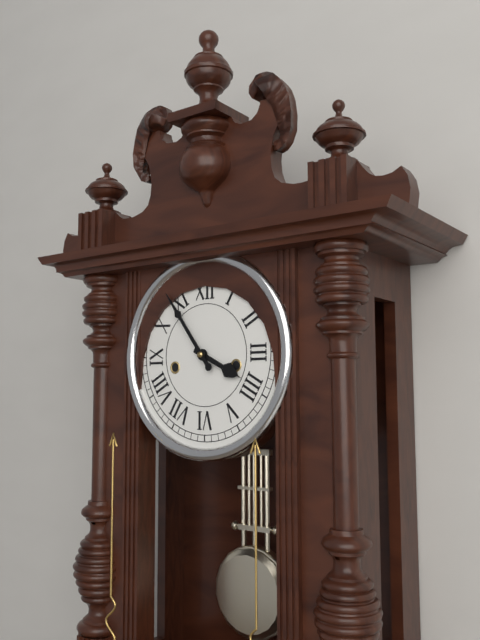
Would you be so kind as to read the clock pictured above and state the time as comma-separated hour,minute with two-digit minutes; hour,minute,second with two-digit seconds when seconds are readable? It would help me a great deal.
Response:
3,54
